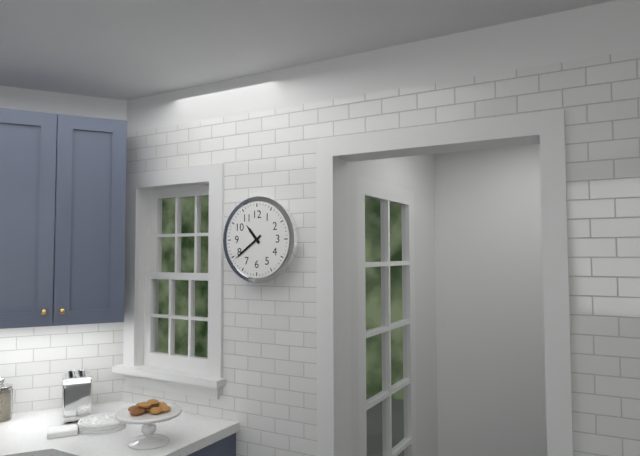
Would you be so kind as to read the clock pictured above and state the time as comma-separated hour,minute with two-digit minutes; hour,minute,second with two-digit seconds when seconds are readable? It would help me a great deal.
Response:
10,39
